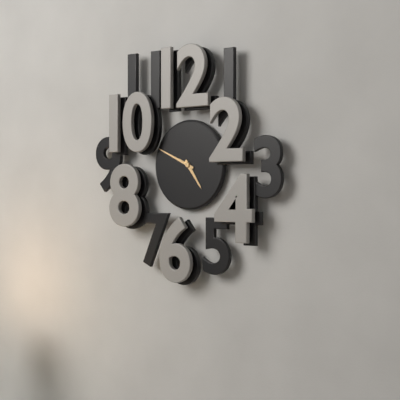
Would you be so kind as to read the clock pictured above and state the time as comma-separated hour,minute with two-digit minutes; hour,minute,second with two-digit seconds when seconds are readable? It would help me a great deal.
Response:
4,49
